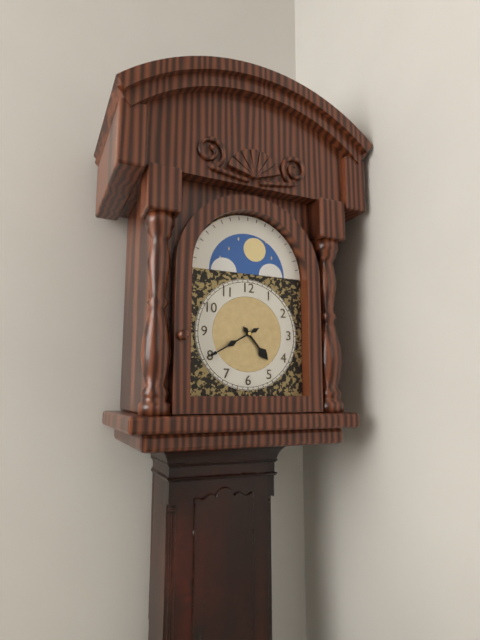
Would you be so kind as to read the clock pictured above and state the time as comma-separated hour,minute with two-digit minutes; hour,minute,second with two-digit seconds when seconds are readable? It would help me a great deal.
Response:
4,40
